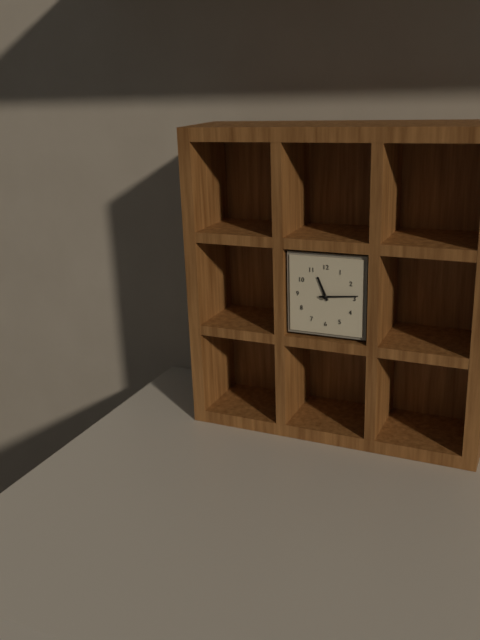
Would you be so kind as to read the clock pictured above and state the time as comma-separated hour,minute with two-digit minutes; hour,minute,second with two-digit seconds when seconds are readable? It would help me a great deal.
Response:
11,14
